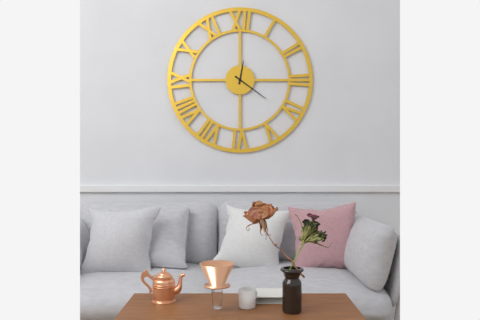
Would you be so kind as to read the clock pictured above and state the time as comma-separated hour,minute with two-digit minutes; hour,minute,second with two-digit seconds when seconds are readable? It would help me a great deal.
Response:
12,21
